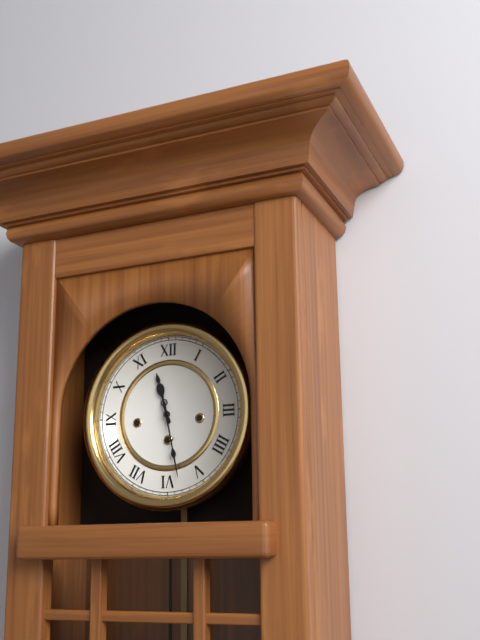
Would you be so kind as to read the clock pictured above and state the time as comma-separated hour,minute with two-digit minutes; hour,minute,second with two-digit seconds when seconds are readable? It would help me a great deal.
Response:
11,28
